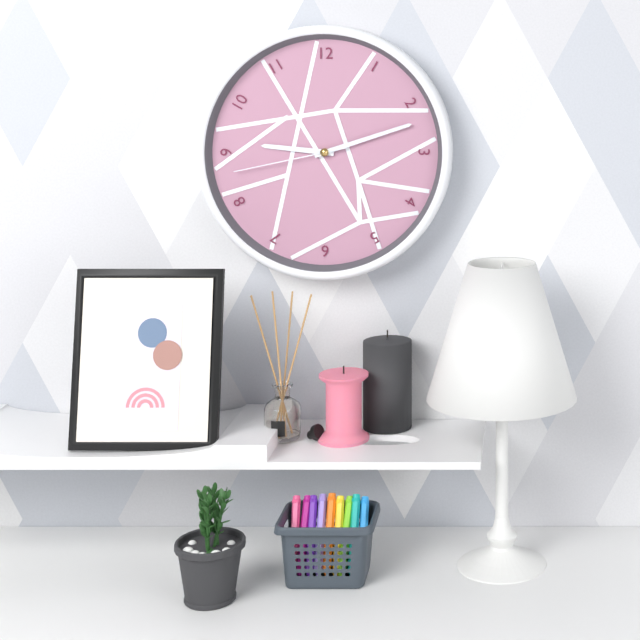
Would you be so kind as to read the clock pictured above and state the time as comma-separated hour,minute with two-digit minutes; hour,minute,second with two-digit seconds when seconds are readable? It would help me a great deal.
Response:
9,12,43
